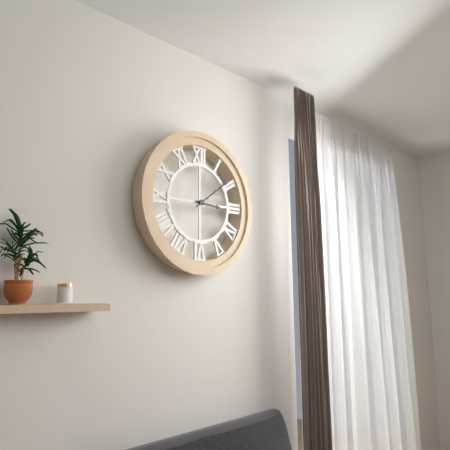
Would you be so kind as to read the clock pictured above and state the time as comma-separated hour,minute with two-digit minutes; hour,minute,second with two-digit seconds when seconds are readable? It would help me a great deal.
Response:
3,09
